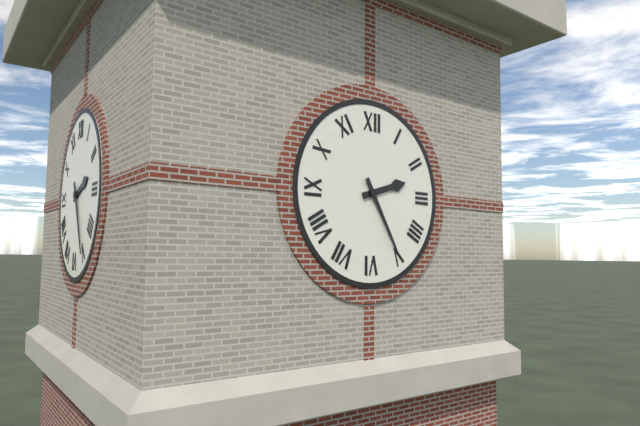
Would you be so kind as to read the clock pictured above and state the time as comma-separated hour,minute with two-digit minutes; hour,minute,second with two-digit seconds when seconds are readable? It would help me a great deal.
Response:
2,25
